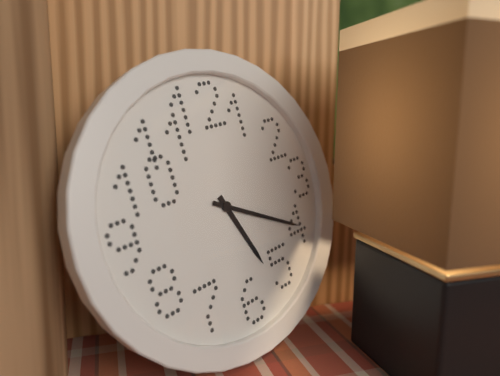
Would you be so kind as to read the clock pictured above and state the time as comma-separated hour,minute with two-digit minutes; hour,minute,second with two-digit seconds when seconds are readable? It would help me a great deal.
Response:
5,20
